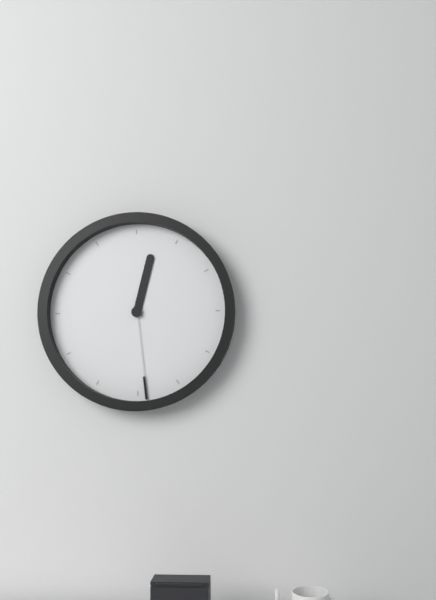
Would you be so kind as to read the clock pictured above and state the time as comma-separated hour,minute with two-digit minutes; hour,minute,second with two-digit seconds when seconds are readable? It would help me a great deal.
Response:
12,29
